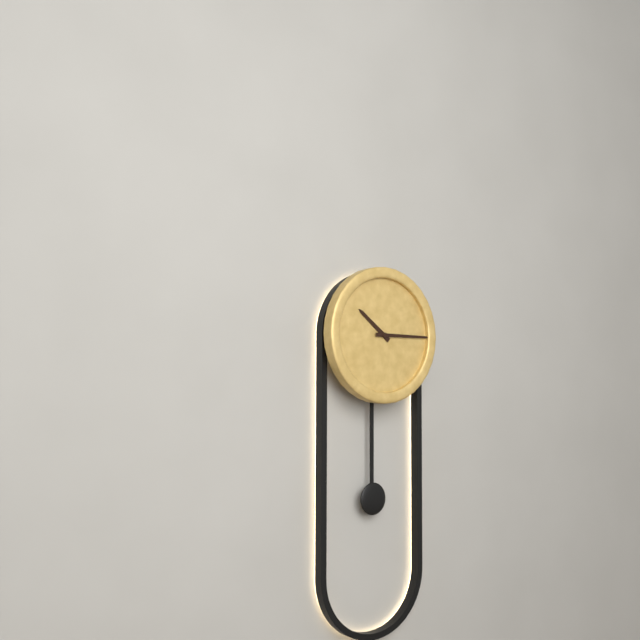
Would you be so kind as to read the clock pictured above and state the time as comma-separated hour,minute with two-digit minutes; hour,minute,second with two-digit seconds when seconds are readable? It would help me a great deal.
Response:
10,15
